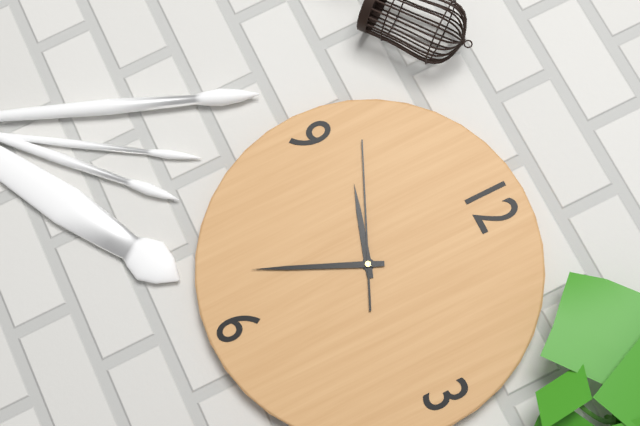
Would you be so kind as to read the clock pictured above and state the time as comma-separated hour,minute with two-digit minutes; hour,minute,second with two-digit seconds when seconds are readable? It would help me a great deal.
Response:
9,34,49
